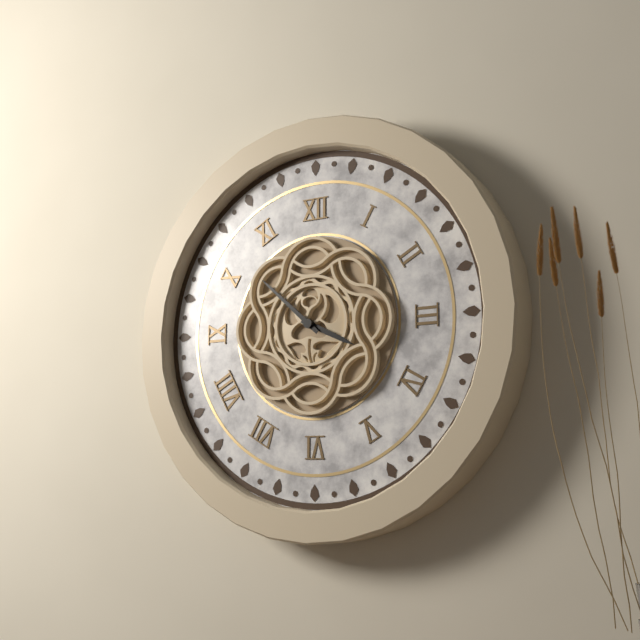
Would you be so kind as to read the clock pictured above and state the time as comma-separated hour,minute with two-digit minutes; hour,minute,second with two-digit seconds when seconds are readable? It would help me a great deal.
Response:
3,52
